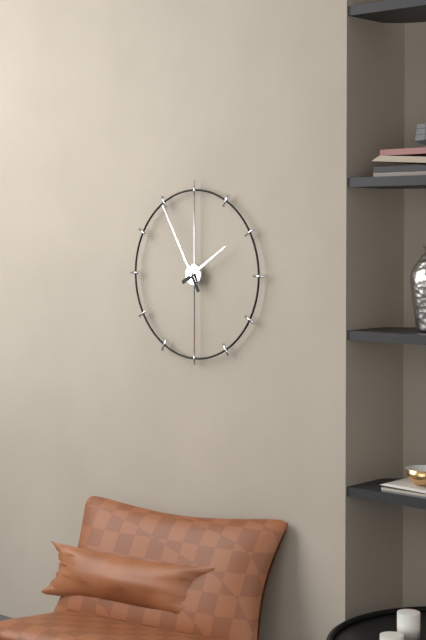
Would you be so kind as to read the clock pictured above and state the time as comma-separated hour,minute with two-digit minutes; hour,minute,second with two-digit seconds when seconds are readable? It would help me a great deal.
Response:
1,55
